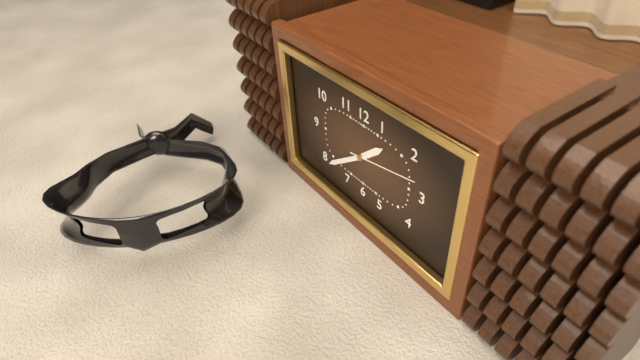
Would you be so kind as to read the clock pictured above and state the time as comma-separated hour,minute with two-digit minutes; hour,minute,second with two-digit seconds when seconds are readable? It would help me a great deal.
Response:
1,39,13
